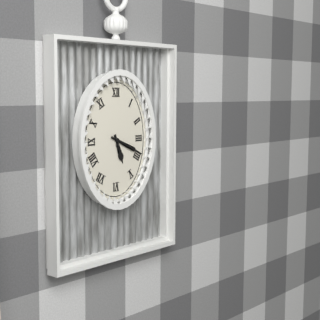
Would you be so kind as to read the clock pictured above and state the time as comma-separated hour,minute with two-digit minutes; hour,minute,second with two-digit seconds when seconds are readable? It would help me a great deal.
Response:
5,19
